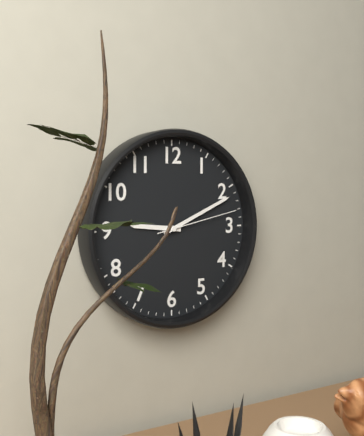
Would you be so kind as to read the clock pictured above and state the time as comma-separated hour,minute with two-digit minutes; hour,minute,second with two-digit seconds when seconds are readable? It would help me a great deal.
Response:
9,11,13
